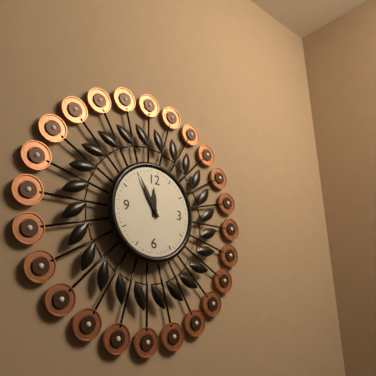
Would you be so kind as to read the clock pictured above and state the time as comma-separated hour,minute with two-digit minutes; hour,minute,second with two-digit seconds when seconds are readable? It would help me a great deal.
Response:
11,55
